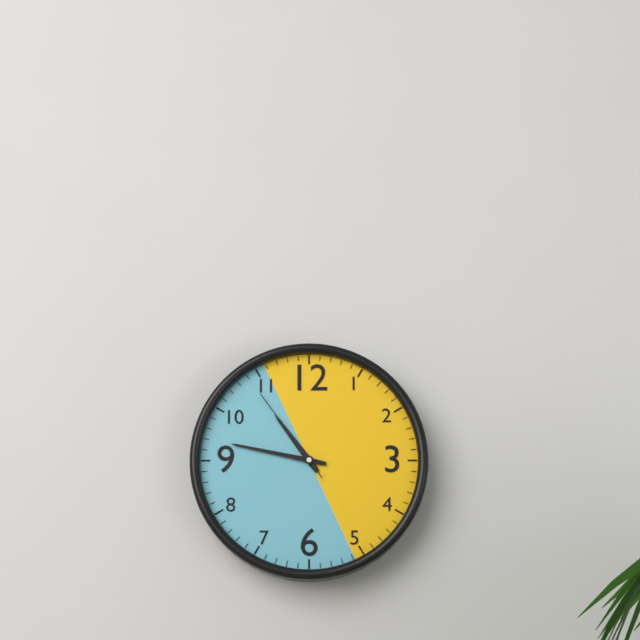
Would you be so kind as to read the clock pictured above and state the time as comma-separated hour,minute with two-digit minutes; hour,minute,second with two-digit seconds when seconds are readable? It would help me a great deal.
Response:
10,47,54
